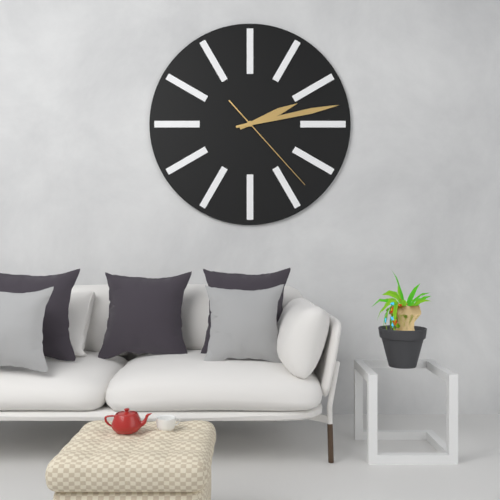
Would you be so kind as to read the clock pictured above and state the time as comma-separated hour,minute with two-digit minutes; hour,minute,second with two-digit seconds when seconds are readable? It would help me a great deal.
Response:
2,13,23
